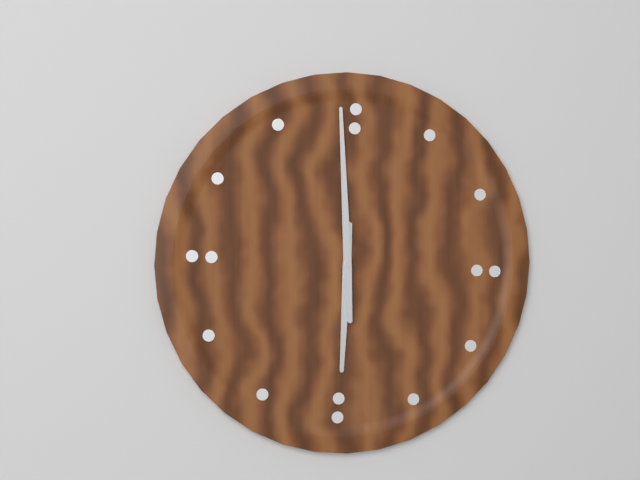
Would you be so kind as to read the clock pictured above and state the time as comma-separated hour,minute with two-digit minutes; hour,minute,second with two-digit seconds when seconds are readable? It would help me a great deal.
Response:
5,59
